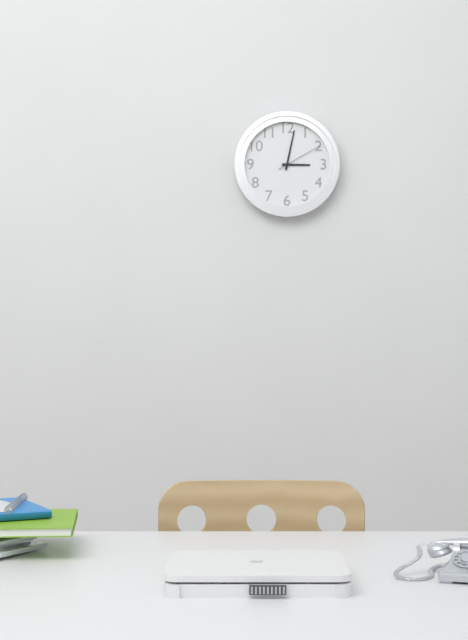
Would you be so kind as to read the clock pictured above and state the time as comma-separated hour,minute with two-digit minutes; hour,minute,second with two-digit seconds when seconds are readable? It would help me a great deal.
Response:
3,02
